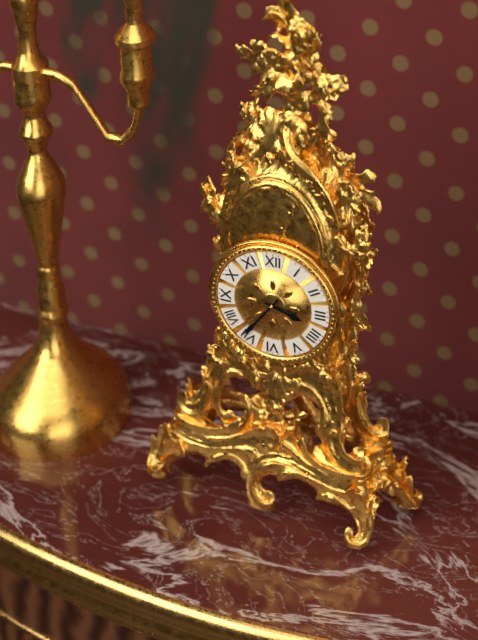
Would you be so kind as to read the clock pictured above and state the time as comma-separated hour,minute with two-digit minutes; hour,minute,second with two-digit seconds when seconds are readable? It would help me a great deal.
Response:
3,36
